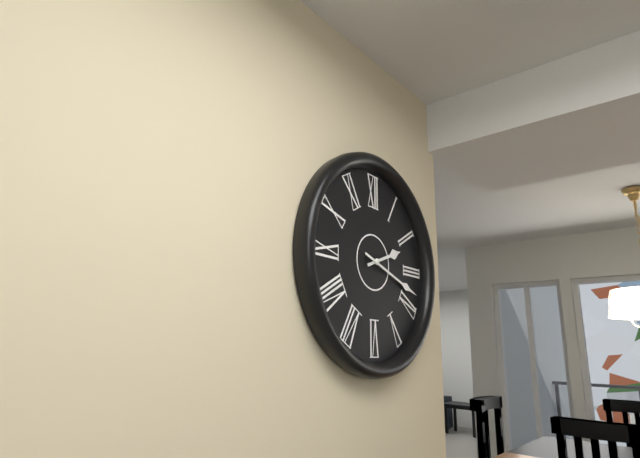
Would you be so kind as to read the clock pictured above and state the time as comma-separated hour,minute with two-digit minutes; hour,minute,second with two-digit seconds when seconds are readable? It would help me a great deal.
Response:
2,18
